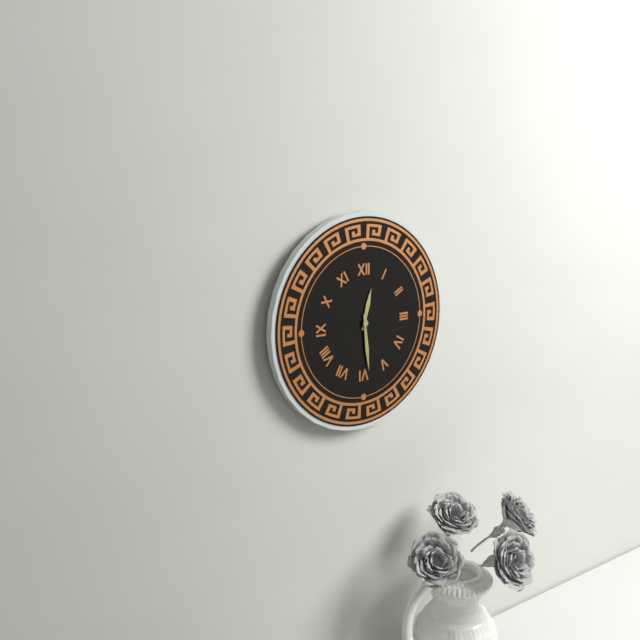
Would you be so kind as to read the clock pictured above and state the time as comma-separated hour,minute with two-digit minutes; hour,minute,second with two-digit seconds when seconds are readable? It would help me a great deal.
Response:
12,29
